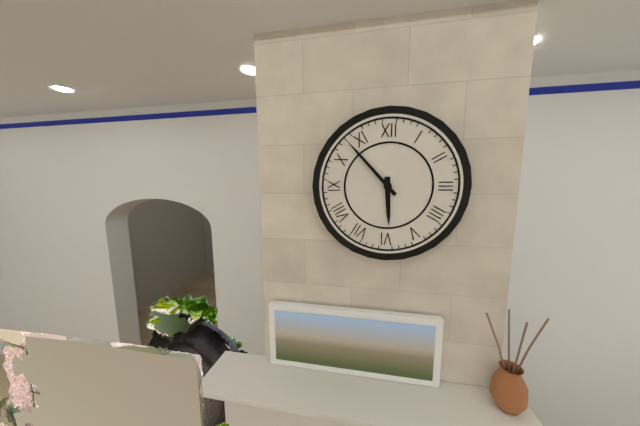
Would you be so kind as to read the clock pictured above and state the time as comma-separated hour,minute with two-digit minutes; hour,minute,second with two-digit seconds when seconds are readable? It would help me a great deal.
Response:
5,53
